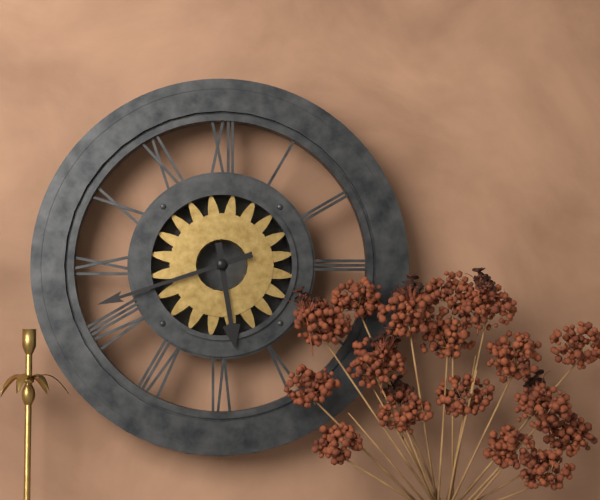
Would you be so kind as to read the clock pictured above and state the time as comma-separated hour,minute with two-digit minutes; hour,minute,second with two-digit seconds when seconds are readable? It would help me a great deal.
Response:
5,42
